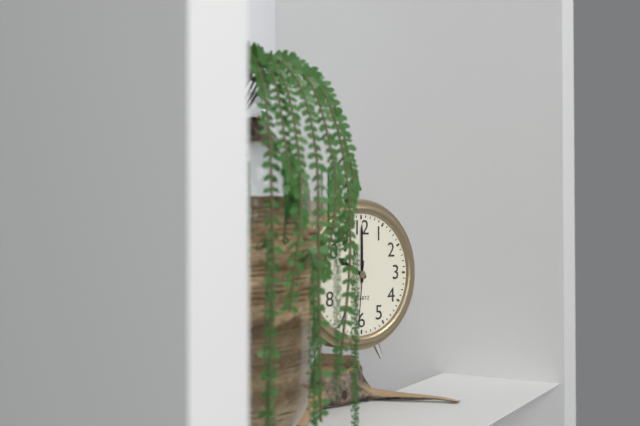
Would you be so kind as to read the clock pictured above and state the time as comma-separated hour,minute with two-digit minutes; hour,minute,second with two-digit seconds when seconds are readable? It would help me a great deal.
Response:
10,00,31
